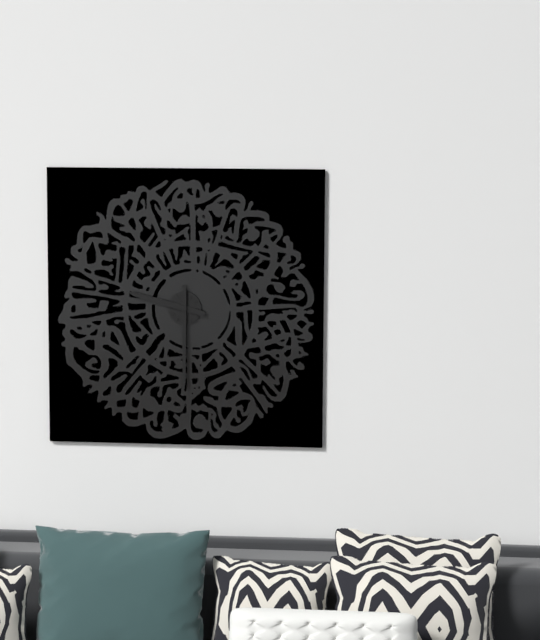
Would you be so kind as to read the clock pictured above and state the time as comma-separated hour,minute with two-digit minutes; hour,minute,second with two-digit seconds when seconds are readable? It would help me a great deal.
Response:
9,30
